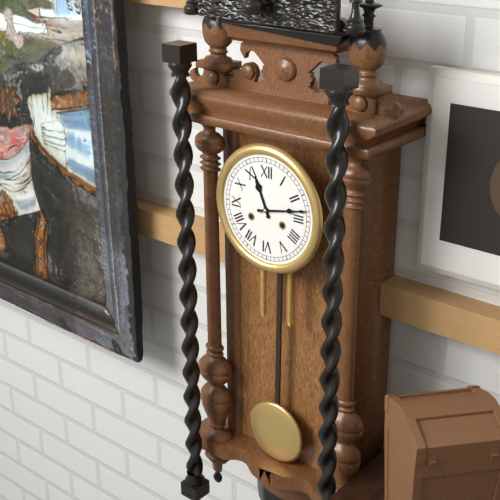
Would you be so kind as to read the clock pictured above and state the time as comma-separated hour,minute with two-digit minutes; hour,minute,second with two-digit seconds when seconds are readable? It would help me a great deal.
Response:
11,13
